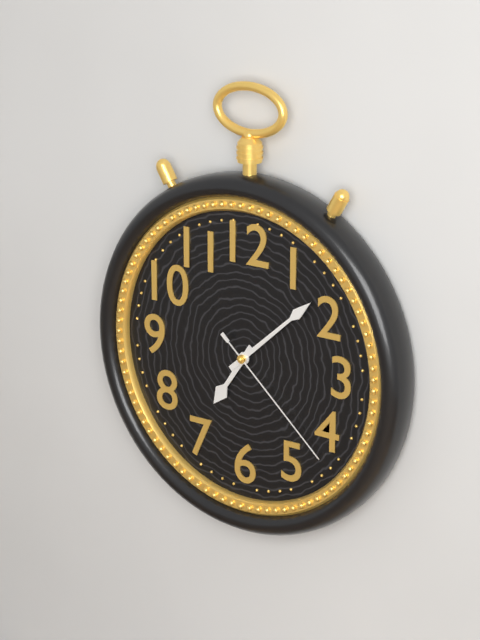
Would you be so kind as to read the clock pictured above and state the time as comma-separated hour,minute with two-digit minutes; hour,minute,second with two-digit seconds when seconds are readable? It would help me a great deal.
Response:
7,08,22
